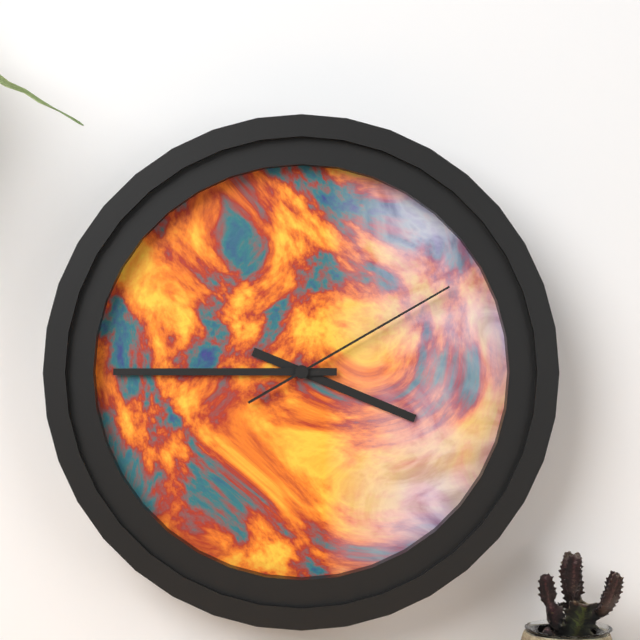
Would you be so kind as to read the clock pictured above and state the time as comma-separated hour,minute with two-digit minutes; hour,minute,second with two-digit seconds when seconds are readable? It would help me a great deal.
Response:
3,45,10
